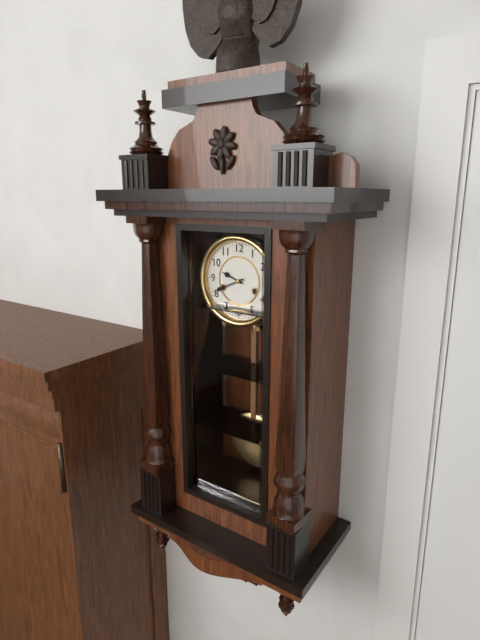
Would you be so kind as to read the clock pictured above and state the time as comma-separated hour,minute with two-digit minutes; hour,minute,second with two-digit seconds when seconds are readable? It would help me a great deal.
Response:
9,41
